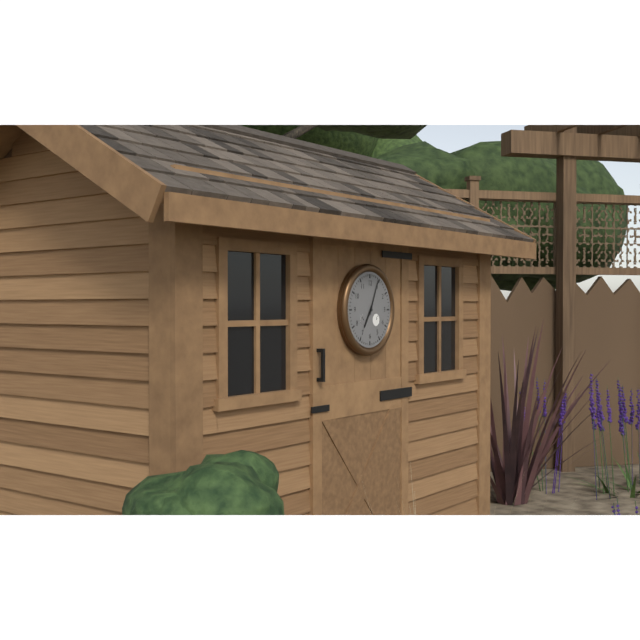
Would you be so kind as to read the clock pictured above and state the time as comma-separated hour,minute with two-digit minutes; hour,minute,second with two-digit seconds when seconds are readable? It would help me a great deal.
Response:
7,04
